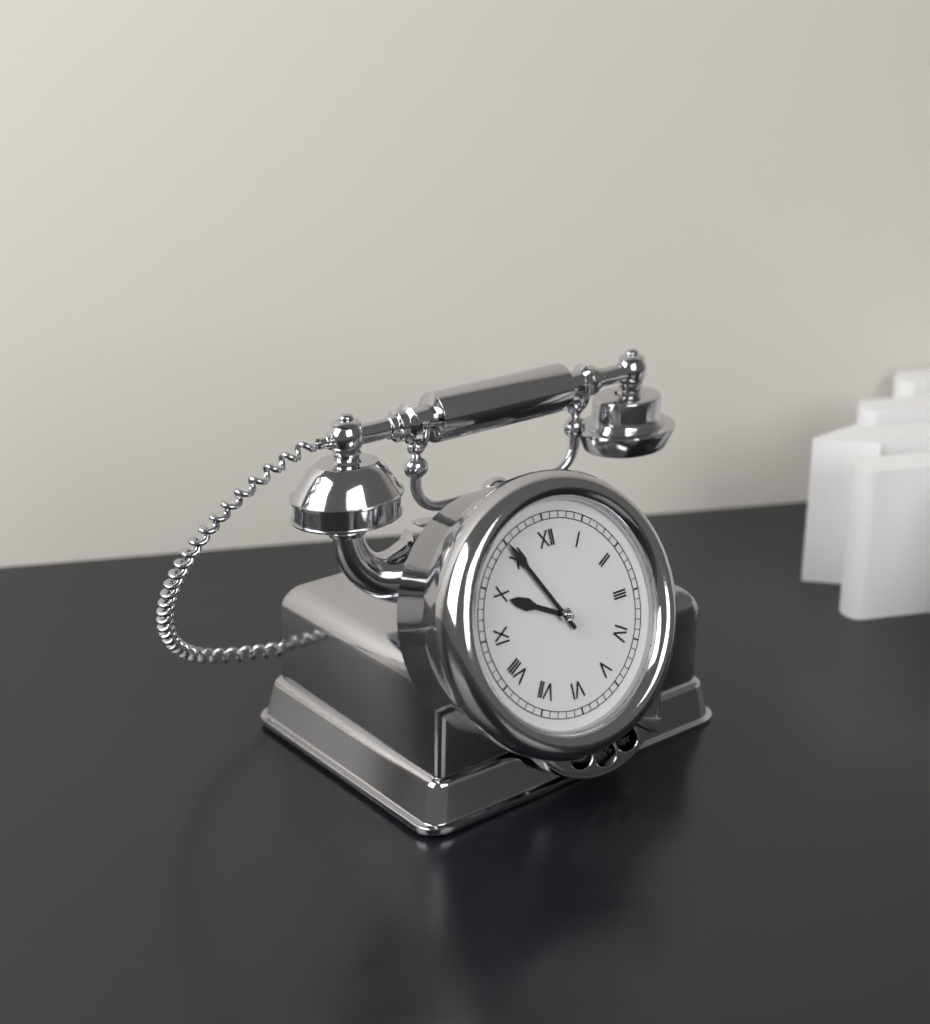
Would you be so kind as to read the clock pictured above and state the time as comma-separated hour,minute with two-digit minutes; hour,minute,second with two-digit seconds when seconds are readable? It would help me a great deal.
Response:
9,55
